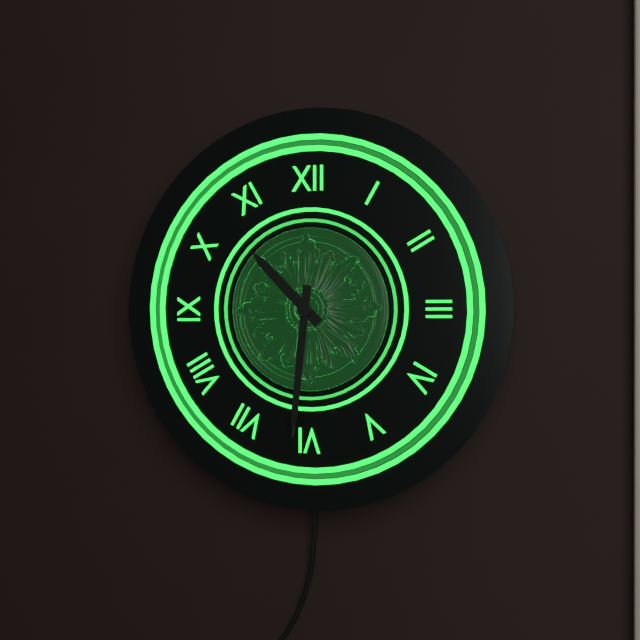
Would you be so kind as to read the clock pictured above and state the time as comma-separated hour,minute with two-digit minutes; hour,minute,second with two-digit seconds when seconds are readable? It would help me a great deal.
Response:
10,31
